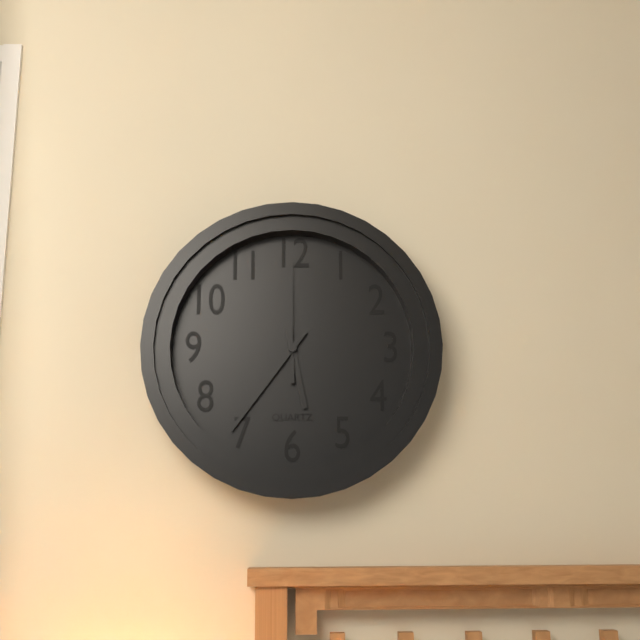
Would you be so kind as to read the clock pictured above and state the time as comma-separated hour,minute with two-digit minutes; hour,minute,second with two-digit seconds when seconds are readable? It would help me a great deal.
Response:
5,36,00
